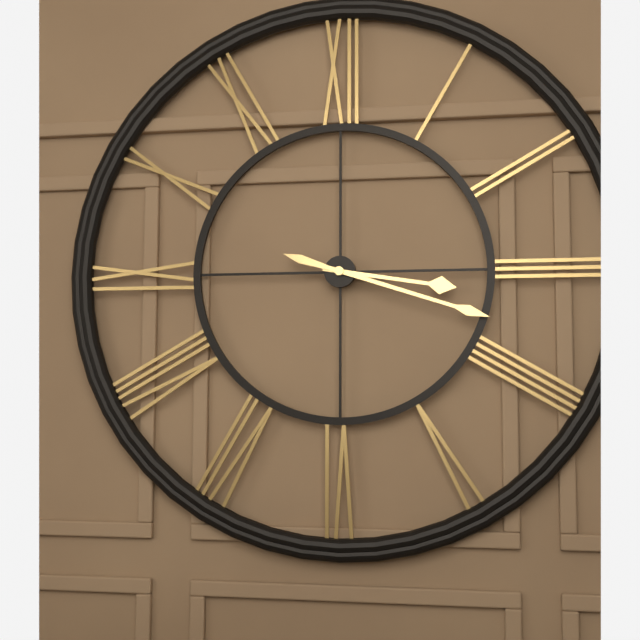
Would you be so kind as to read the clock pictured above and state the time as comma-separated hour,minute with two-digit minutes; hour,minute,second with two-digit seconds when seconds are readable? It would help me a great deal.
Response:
3,18
